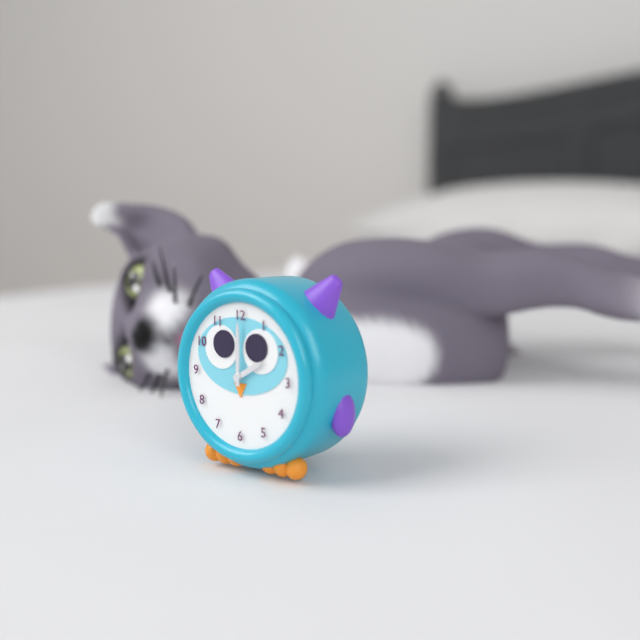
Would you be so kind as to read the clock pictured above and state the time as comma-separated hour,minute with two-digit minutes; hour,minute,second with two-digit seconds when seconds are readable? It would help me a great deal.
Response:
2,00
